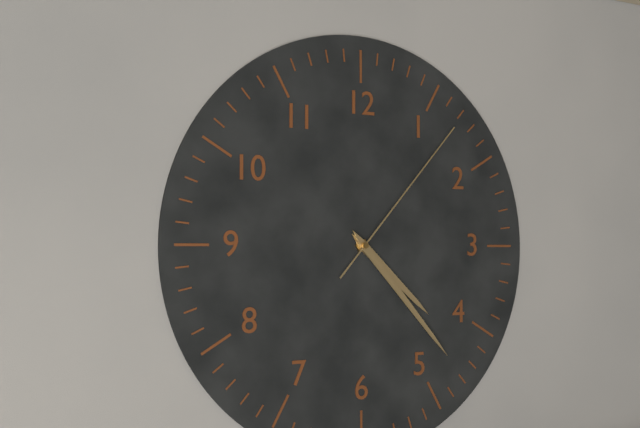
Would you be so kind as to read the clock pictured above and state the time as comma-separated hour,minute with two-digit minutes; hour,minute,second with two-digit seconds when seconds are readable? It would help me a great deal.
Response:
4,23,07
